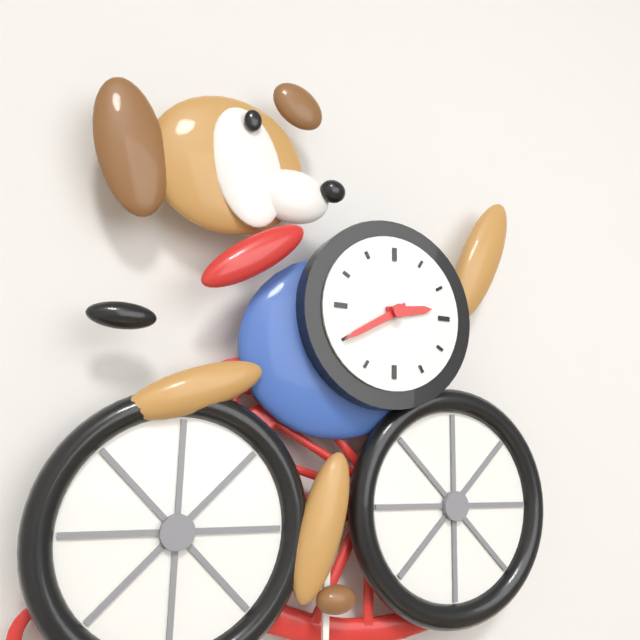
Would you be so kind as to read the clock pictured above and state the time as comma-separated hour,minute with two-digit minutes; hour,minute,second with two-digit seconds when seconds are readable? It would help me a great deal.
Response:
2,40
